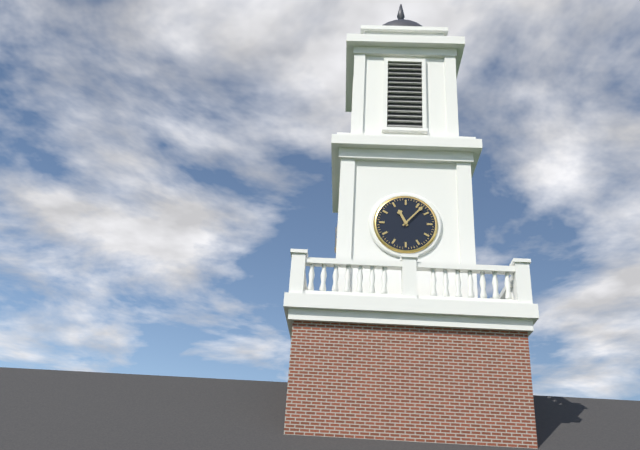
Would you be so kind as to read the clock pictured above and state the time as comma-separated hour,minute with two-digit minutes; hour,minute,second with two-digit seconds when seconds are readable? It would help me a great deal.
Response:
11,07
